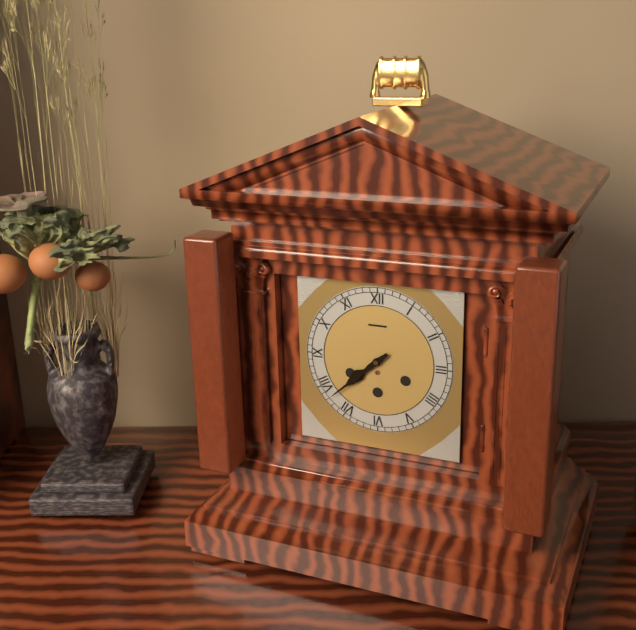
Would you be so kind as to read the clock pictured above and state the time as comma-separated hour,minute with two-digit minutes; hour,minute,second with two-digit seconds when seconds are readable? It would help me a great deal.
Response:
7,38
